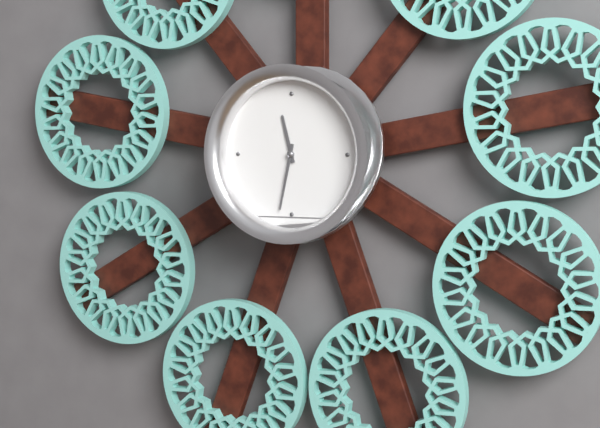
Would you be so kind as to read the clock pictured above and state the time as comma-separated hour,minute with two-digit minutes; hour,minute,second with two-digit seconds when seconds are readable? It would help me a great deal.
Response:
11,32
